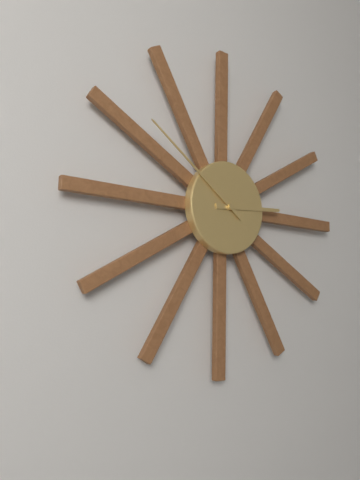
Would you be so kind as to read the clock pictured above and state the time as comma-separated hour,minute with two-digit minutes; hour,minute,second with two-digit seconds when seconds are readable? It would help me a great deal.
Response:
2,51
